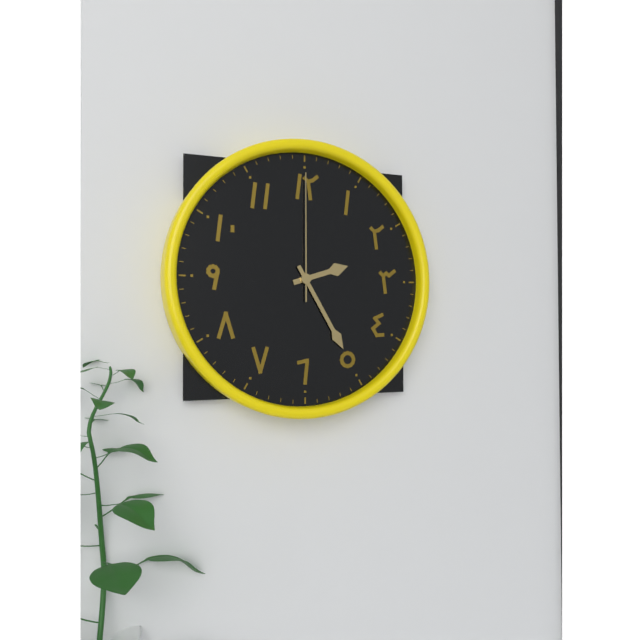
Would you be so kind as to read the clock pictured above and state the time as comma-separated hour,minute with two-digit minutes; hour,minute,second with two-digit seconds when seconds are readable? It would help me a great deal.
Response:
2,25,00
